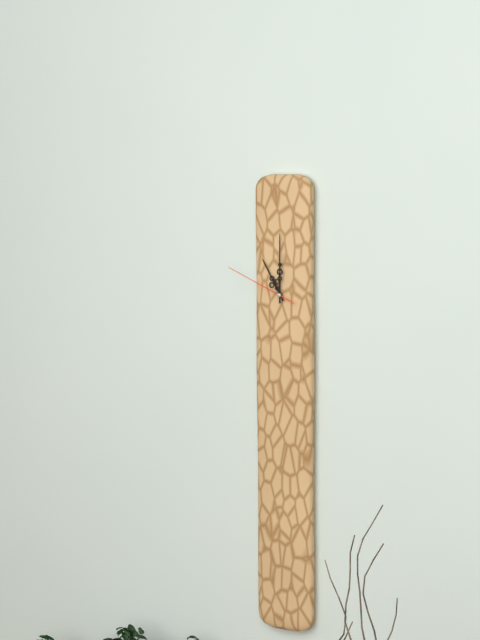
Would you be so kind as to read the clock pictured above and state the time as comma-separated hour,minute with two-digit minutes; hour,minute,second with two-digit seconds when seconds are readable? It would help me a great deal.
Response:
11,00,49
